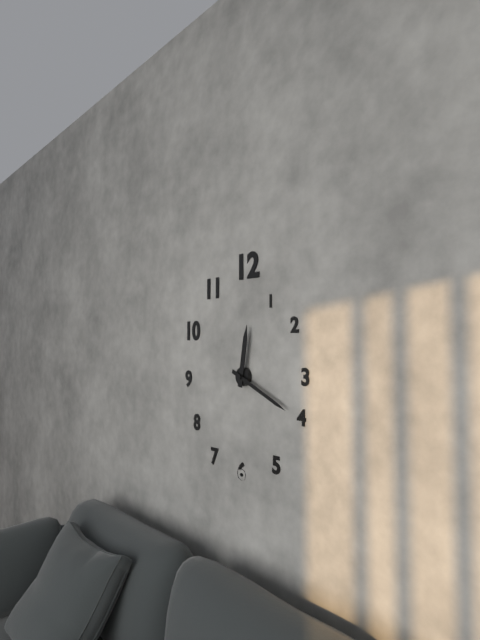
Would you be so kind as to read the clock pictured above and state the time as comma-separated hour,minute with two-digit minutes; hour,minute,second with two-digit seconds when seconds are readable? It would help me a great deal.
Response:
12,19
